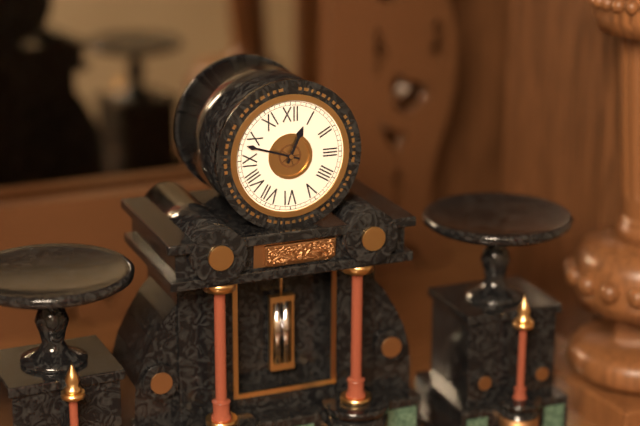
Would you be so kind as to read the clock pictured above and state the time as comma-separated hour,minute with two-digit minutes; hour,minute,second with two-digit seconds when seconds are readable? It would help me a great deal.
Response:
12,48
